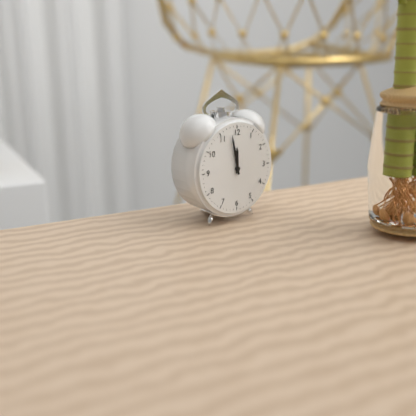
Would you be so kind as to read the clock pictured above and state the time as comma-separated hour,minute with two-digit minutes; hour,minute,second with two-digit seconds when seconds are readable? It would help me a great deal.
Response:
11,58
